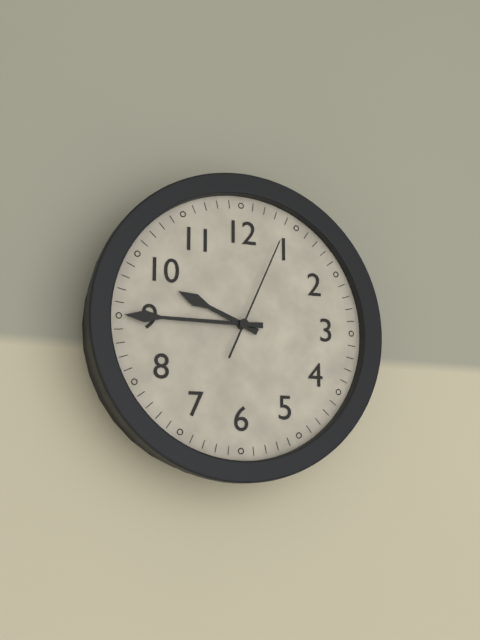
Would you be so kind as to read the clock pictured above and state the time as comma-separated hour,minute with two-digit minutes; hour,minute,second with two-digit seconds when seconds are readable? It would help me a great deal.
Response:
9,45,04
